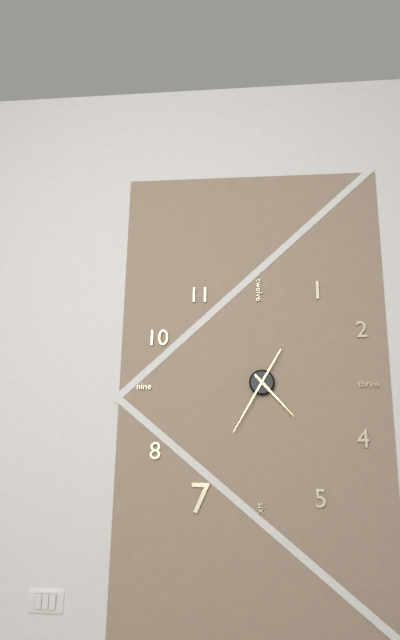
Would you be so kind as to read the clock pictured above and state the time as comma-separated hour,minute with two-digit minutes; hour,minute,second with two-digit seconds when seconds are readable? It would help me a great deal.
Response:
4,35
